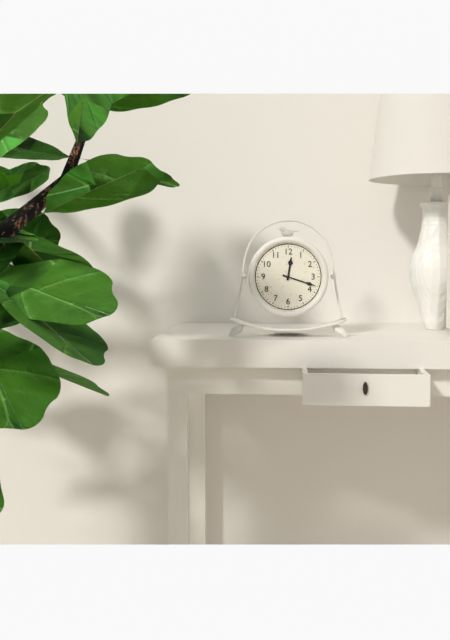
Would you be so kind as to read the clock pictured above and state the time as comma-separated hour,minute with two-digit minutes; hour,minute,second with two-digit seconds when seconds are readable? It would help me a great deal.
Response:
12,18
